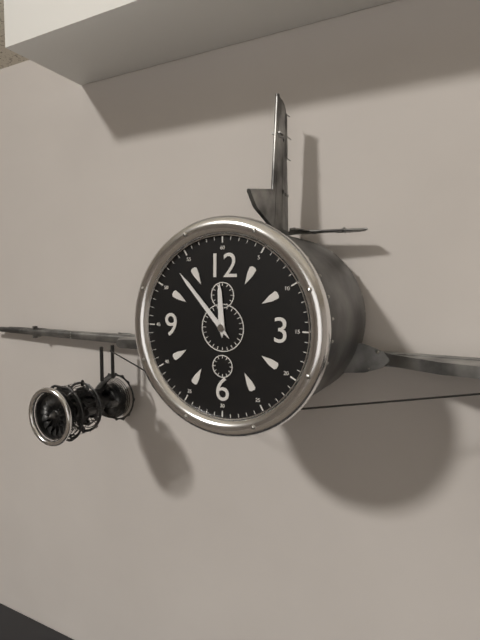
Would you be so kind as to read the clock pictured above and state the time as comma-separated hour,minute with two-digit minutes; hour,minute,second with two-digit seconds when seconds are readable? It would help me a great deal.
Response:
11,53
